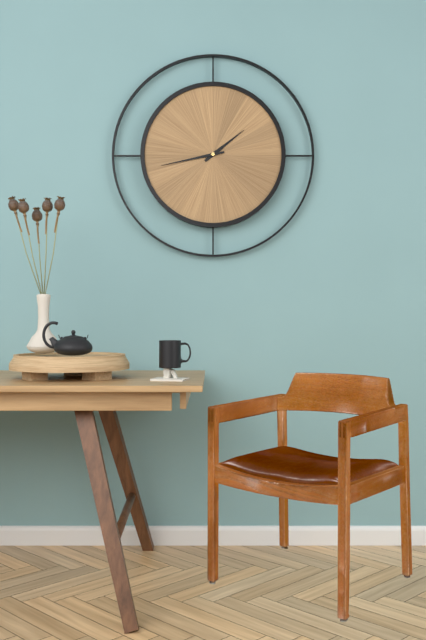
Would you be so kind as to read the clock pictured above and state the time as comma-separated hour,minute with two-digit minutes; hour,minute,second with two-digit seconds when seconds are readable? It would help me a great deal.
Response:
1,43
